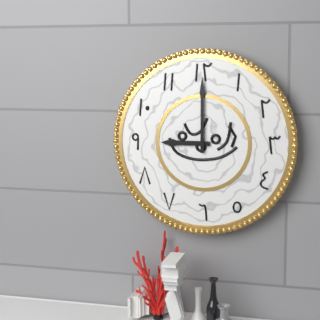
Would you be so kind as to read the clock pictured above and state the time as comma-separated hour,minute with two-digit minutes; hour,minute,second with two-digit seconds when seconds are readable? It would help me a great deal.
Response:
9,00
